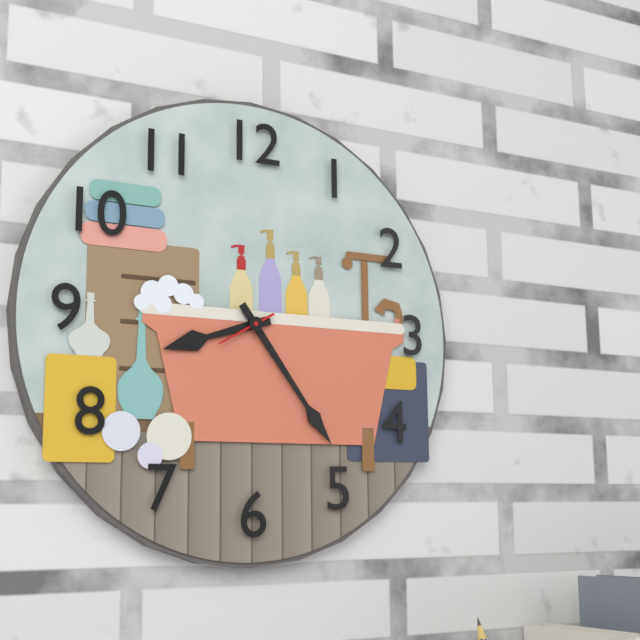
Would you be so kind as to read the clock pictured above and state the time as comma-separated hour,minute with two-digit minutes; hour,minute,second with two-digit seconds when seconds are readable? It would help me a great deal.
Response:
8,24,40
